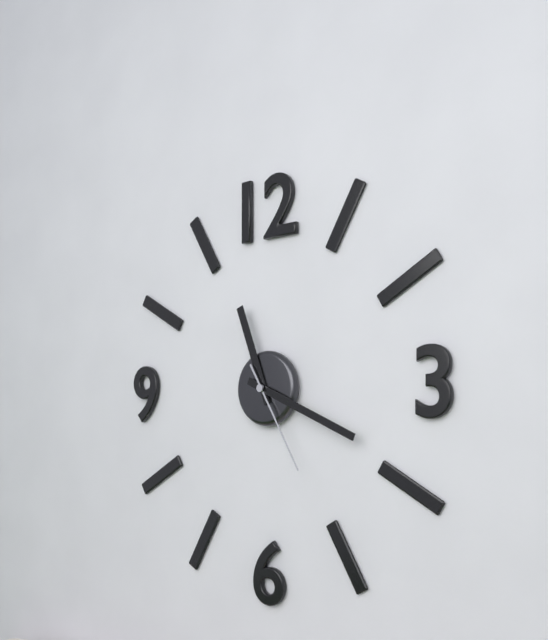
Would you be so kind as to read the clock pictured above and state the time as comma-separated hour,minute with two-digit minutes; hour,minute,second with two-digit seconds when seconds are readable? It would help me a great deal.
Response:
11,19,25
